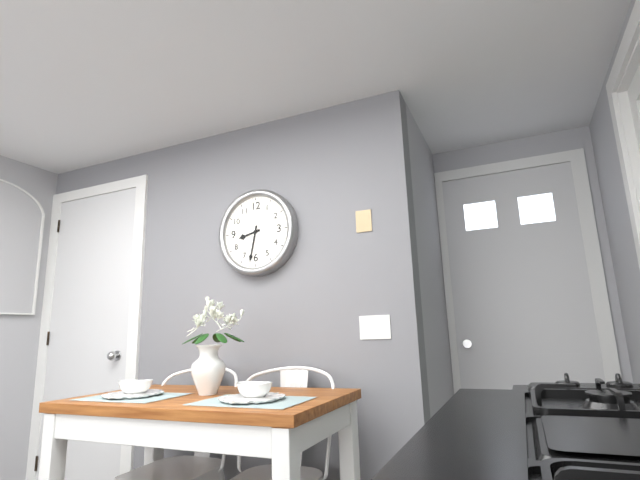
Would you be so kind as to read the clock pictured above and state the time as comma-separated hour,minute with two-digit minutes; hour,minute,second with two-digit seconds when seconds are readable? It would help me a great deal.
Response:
8,32
